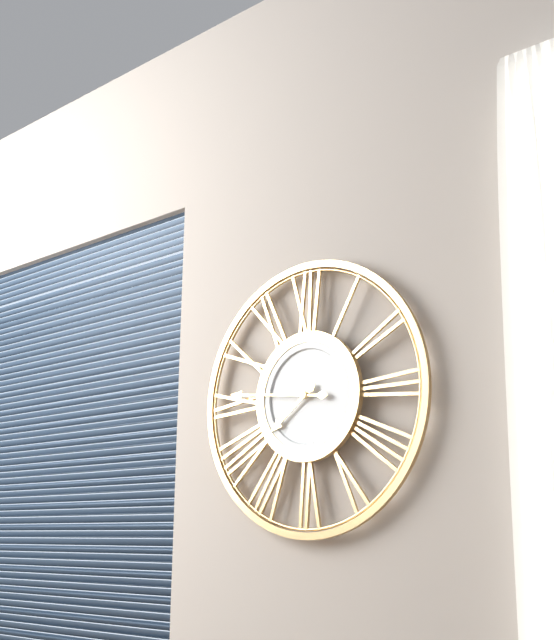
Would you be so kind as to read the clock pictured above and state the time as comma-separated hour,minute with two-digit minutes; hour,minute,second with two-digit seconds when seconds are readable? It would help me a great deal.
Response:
7,46
